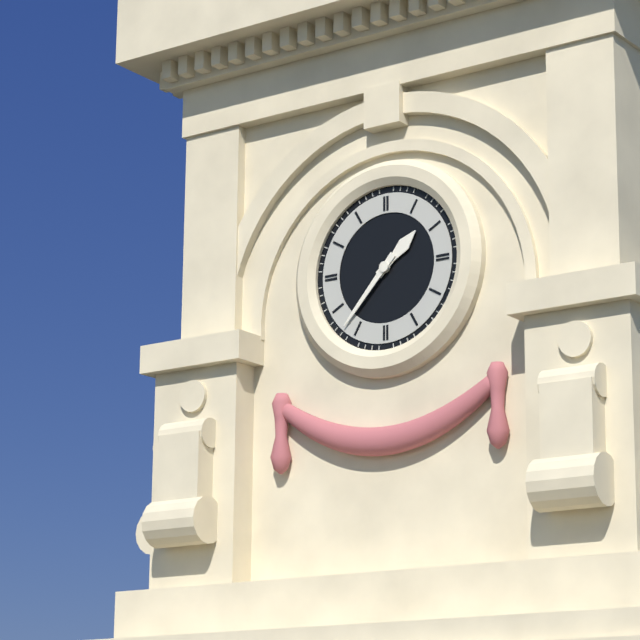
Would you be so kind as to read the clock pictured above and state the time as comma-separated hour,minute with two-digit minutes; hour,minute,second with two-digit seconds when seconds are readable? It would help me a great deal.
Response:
1,37
